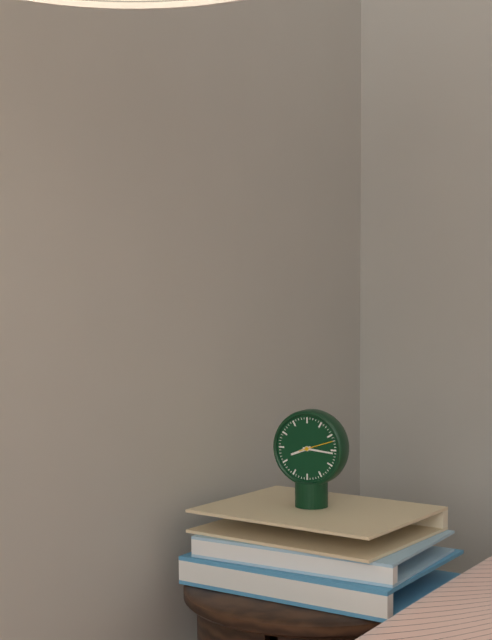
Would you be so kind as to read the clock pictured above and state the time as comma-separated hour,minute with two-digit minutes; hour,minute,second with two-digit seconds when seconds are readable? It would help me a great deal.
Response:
8,16
